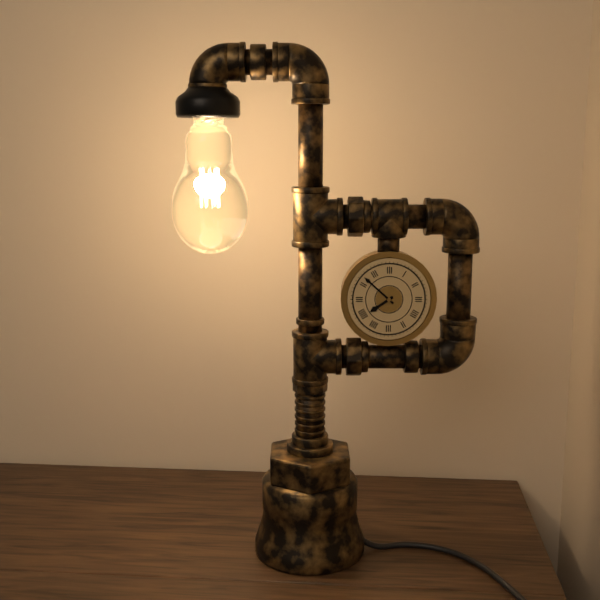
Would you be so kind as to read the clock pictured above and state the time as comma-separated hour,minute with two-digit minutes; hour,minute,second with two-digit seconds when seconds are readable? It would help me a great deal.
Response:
7,52
